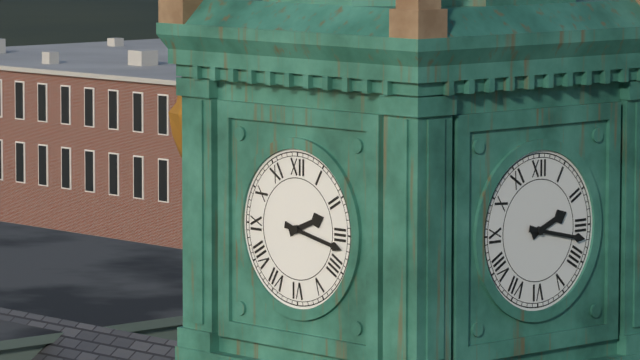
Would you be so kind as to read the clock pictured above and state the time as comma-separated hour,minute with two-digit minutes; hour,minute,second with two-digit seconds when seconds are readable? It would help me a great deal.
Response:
2,17
